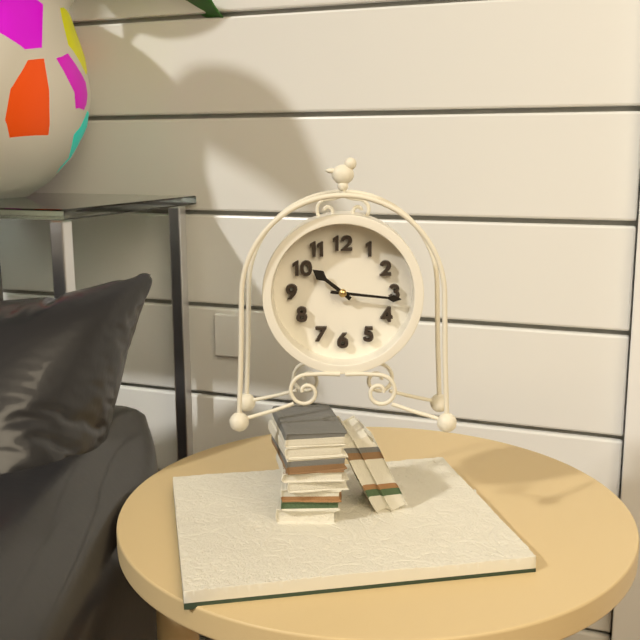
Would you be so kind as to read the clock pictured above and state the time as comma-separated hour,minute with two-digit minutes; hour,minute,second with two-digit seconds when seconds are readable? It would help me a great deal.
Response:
10,16
